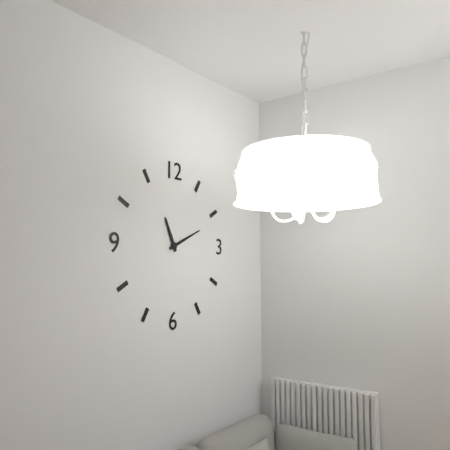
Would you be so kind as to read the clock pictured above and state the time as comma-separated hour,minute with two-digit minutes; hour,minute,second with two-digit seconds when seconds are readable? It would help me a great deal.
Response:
11,11
